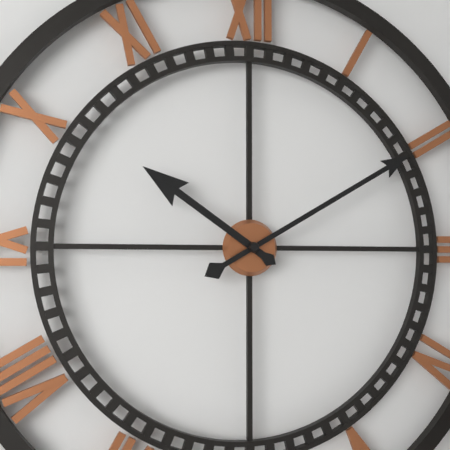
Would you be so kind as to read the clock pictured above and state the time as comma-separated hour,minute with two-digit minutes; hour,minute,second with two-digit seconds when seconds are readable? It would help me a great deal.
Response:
10,10
